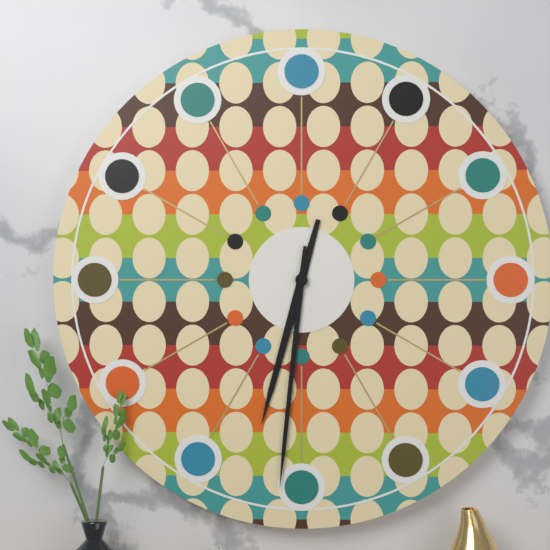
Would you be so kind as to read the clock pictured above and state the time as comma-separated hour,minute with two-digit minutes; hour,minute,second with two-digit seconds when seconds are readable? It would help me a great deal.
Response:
6,31
